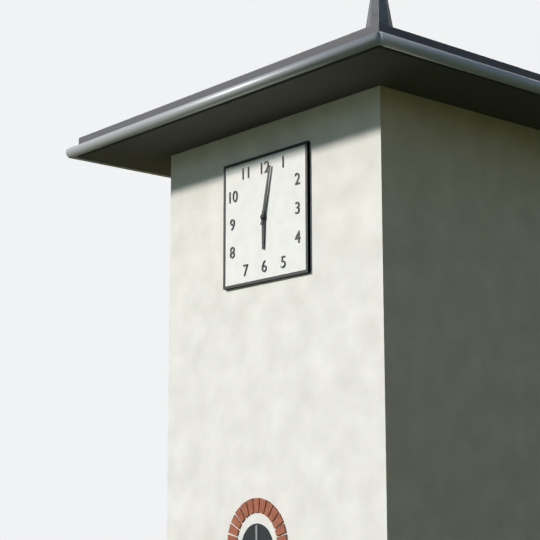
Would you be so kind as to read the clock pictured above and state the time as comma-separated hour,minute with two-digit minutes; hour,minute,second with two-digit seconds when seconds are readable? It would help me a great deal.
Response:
6,02
